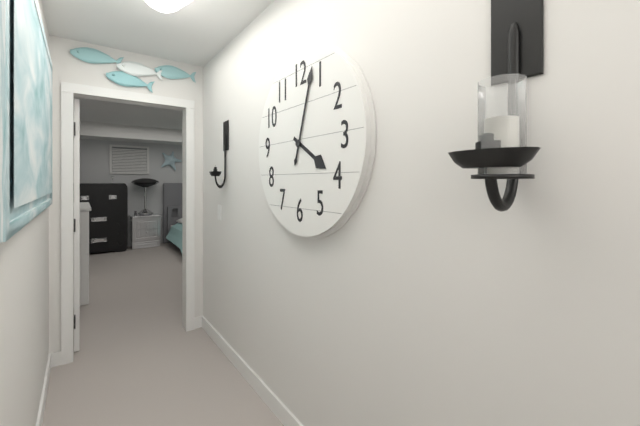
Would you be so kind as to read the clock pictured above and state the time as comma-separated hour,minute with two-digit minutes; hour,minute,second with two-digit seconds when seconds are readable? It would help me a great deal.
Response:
4,03
